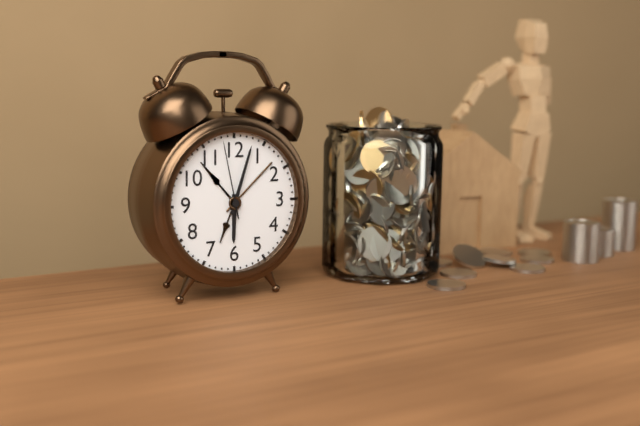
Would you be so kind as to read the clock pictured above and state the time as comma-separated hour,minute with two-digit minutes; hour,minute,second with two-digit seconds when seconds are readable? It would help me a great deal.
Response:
6,03,58
